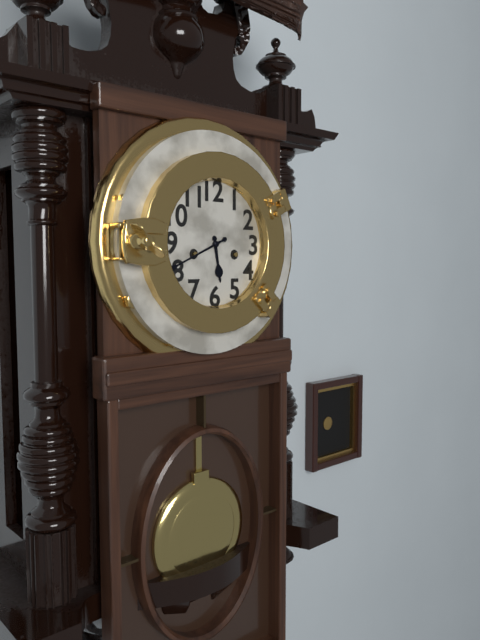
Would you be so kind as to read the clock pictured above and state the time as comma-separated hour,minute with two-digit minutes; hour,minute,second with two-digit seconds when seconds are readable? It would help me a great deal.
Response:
5,41
